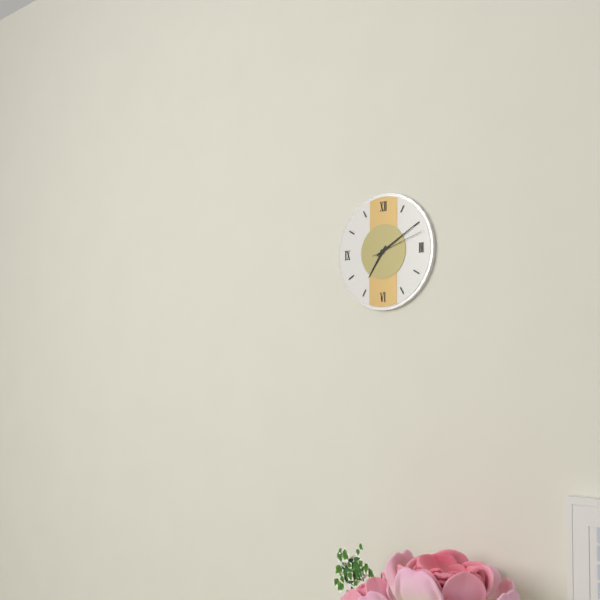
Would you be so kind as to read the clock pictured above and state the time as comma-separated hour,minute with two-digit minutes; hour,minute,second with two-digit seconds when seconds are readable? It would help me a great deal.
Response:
7,10,12
